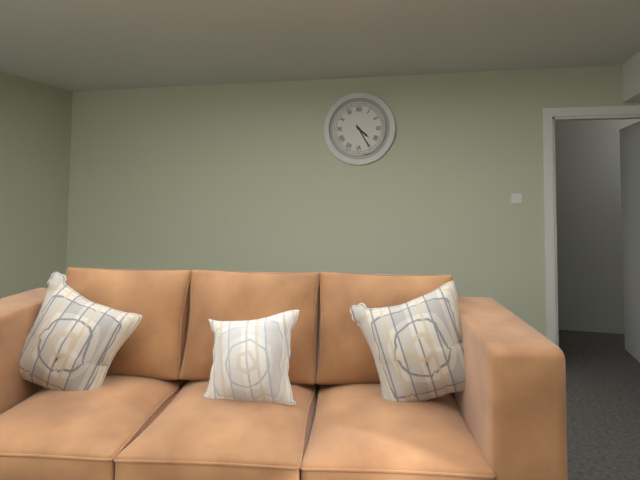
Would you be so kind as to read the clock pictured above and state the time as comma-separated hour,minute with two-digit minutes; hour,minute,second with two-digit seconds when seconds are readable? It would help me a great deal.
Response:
4,25
